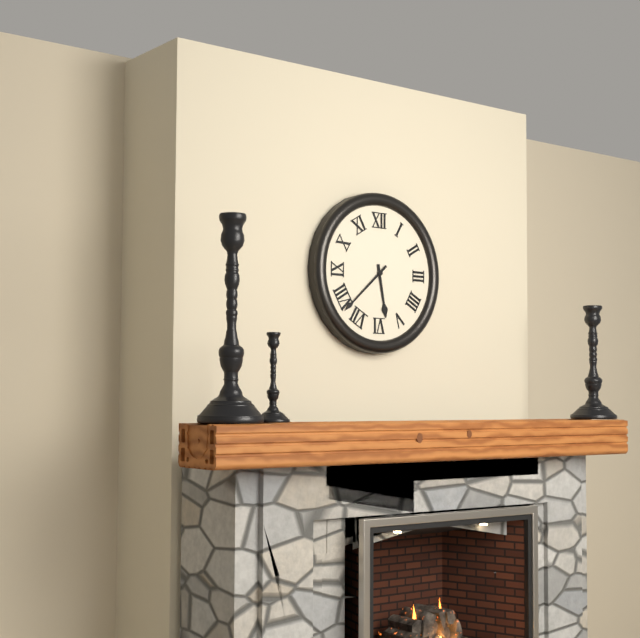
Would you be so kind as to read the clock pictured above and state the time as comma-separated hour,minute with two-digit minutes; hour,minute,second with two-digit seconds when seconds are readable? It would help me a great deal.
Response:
5,38
